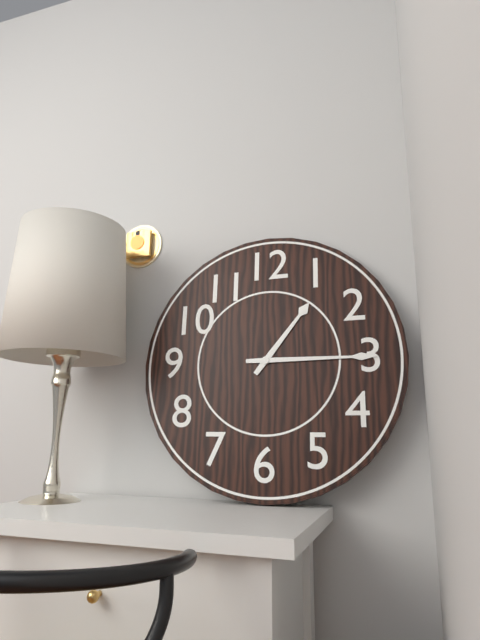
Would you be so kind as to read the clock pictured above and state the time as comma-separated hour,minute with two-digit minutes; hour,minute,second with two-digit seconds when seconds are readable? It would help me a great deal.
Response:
1,15
